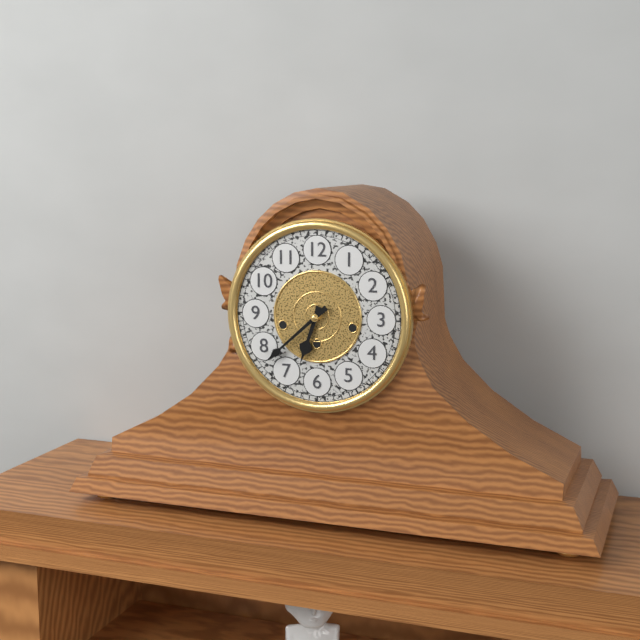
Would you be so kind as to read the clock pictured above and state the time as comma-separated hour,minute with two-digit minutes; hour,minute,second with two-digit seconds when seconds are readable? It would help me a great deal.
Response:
6,38
